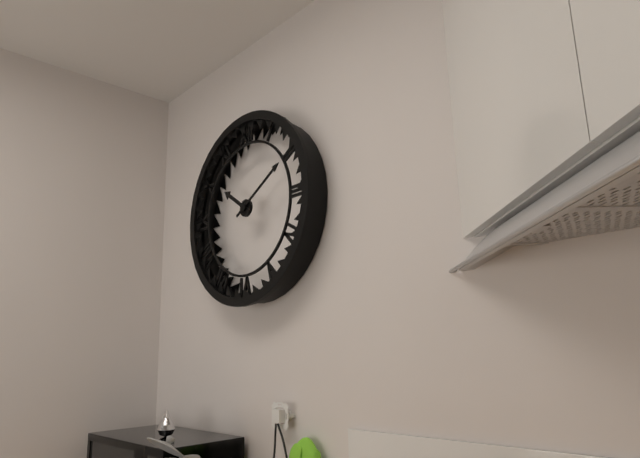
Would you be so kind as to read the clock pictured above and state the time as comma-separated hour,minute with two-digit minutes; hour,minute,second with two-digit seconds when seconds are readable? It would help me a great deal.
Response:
10,10
